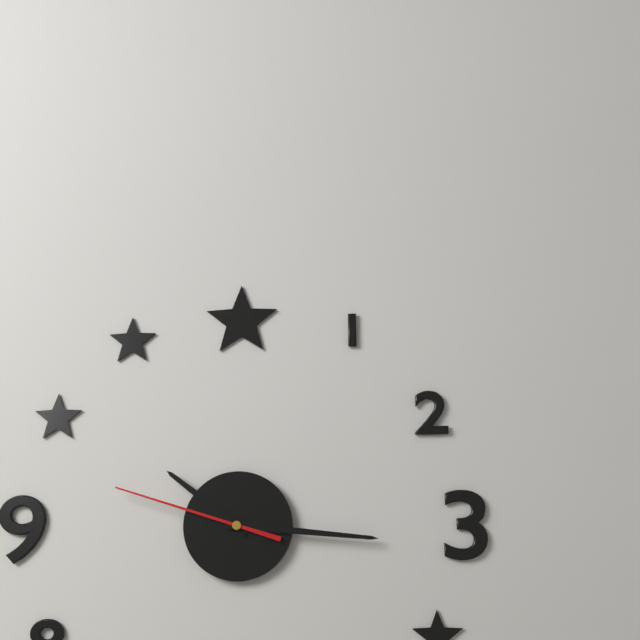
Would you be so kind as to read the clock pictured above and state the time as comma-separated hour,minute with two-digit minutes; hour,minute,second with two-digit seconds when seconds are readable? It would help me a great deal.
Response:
10,16,48
